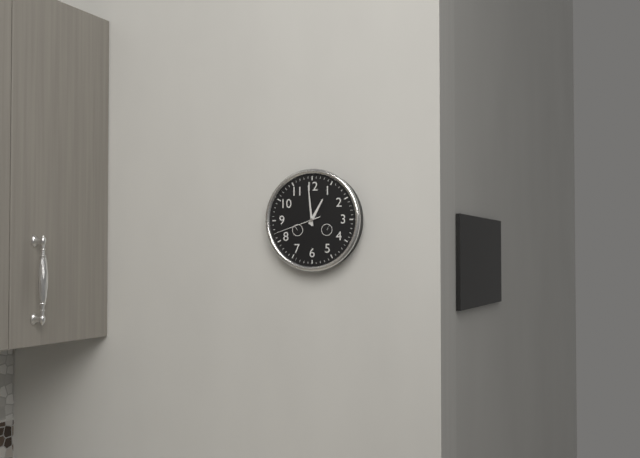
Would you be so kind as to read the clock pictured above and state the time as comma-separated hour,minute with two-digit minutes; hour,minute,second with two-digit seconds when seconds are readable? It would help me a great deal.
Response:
12,59
